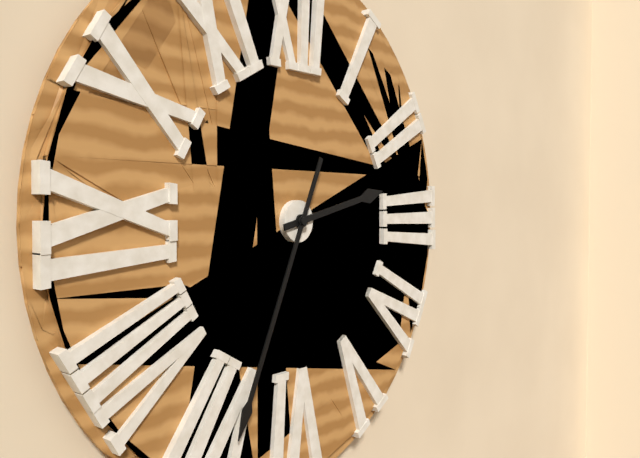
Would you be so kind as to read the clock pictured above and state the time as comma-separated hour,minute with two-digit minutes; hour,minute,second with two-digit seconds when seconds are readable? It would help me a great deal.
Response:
2,34
